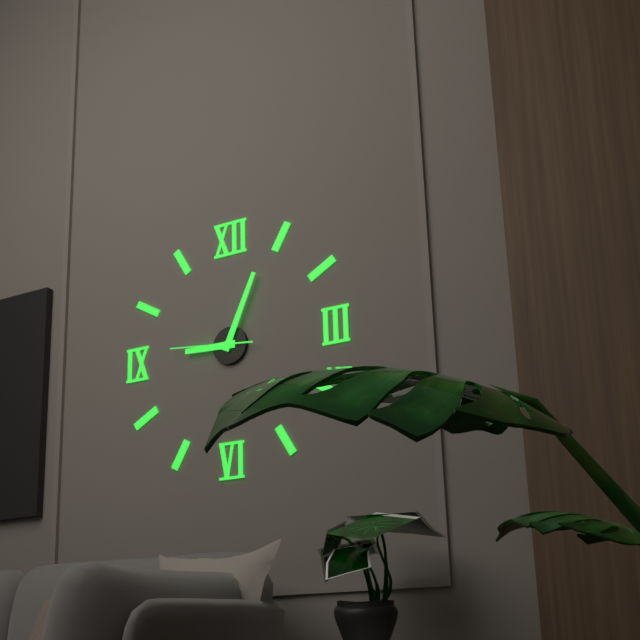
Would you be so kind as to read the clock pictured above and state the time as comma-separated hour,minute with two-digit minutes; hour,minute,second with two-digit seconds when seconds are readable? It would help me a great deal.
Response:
9,04,46
